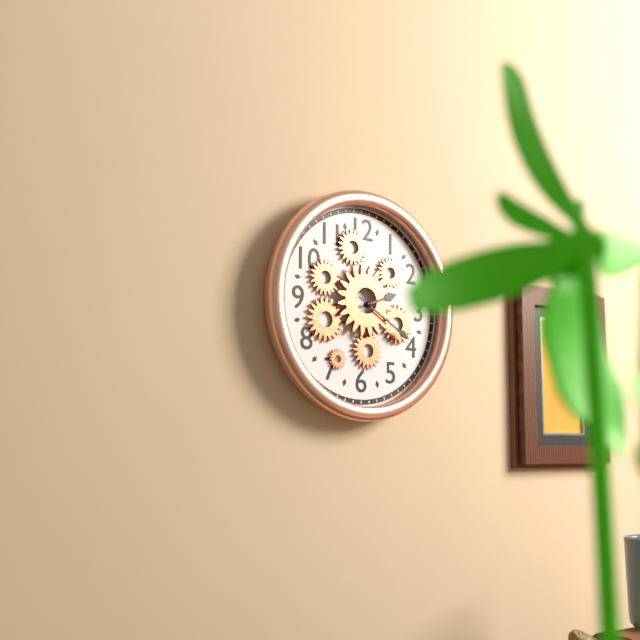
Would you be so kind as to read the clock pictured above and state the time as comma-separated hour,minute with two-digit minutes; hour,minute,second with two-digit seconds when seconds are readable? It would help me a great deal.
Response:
2,20
